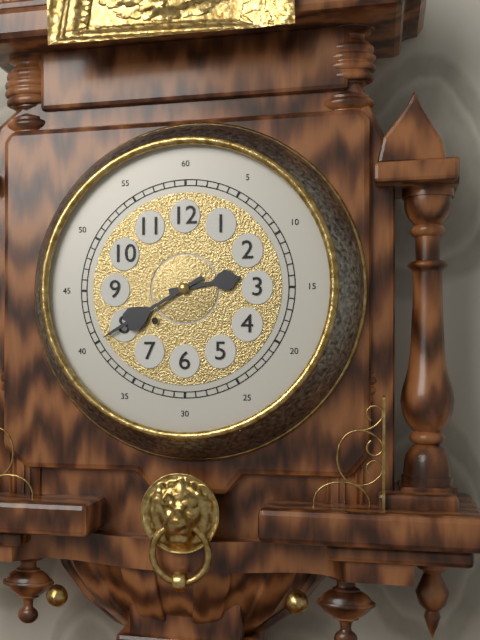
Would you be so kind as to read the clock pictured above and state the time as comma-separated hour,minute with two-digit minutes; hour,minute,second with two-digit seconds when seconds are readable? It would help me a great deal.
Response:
2,40
